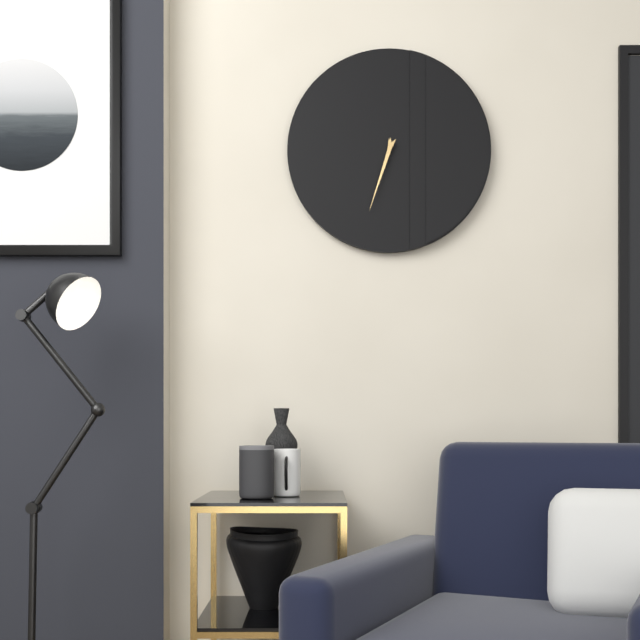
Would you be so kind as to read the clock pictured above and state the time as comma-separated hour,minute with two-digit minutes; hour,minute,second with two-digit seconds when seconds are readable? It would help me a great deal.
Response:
6,33
